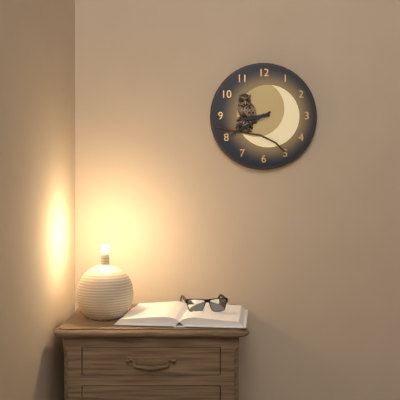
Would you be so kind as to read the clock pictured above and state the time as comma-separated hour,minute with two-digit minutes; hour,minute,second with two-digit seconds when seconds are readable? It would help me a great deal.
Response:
8,40
